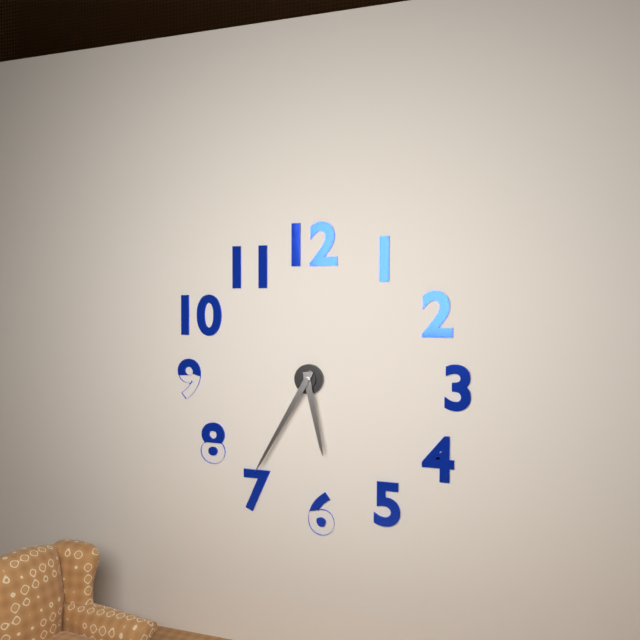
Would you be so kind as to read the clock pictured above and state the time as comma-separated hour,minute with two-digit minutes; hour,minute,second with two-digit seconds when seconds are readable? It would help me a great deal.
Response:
5,35
